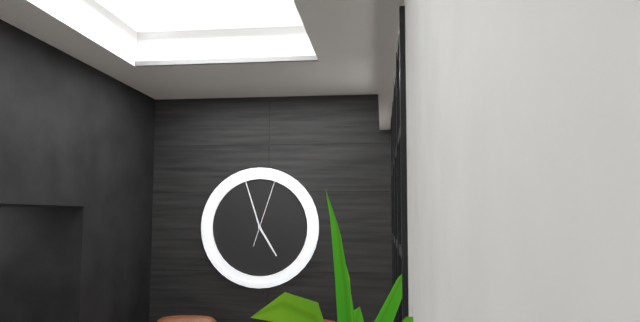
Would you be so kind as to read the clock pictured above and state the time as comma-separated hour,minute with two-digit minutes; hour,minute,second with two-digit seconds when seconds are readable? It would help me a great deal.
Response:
4,57,03
